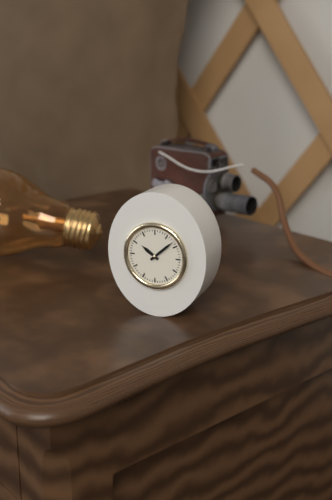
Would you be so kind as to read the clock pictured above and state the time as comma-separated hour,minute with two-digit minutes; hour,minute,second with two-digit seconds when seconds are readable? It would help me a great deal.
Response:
10,08
